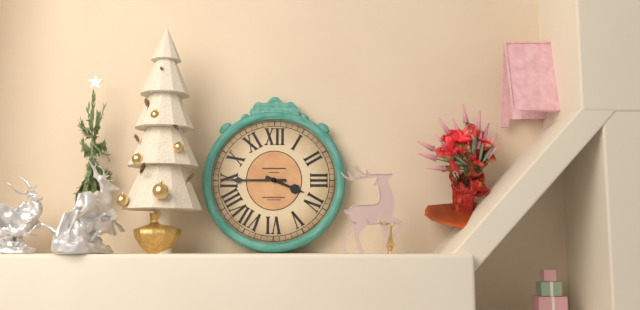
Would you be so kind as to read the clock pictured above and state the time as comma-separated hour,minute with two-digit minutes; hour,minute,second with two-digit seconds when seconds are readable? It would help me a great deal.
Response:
3,45
